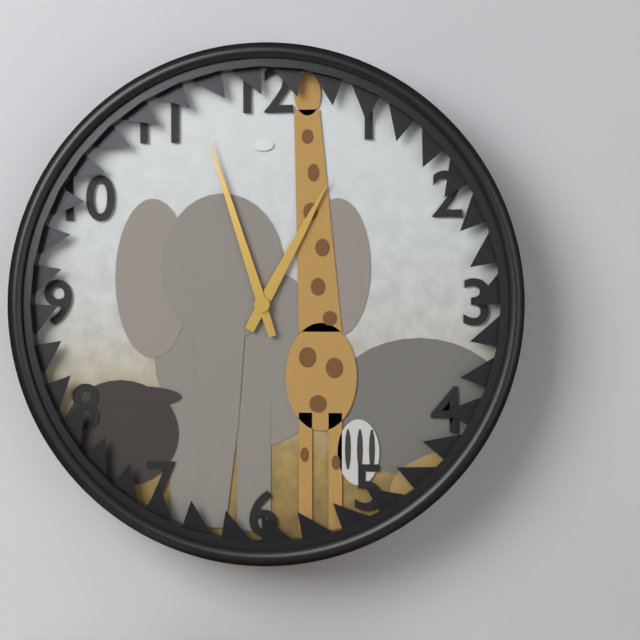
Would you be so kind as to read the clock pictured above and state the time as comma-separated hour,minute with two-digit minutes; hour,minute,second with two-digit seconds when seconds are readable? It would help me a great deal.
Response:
12,57
